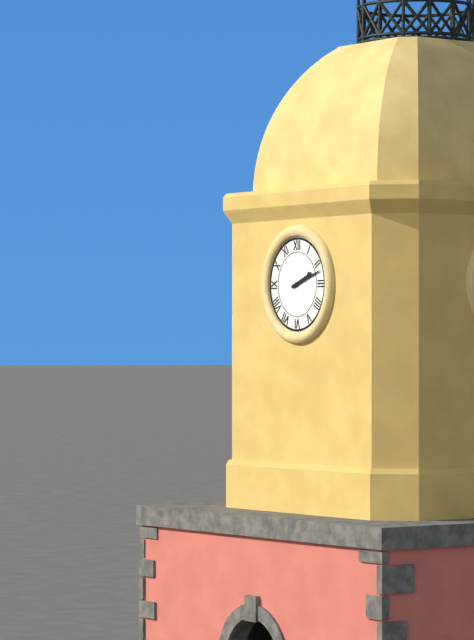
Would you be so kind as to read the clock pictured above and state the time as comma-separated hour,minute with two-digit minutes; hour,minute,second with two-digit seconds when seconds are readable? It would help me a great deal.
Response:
2,12
